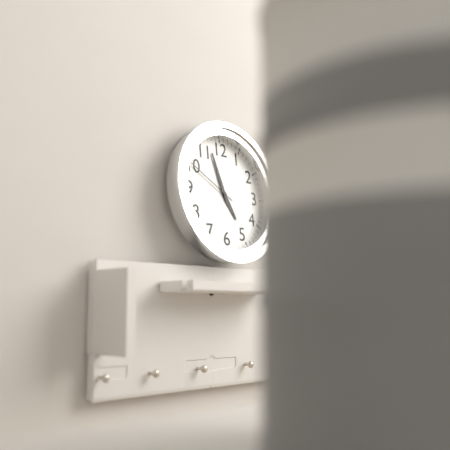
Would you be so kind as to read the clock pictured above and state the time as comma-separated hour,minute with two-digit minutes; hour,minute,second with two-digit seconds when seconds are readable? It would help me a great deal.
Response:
4,57,50
